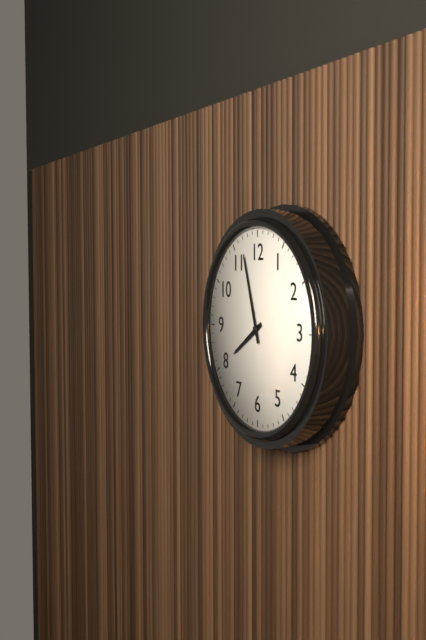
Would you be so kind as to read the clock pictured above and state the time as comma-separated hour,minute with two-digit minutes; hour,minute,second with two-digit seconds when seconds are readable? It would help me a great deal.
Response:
7,57
